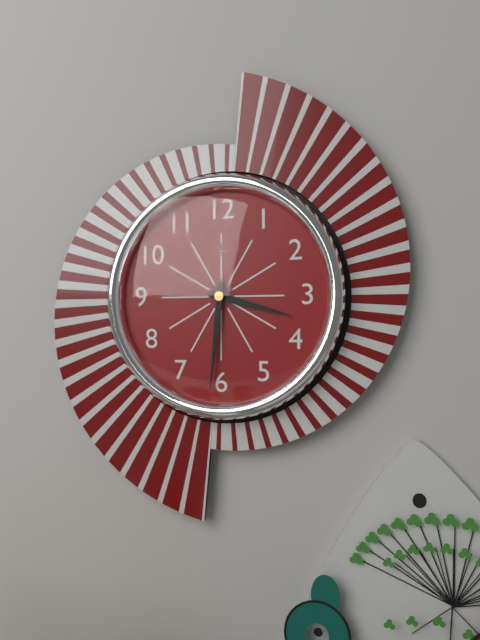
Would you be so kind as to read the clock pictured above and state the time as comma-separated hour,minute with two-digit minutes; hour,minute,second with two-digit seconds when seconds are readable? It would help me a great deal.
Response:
3,31
